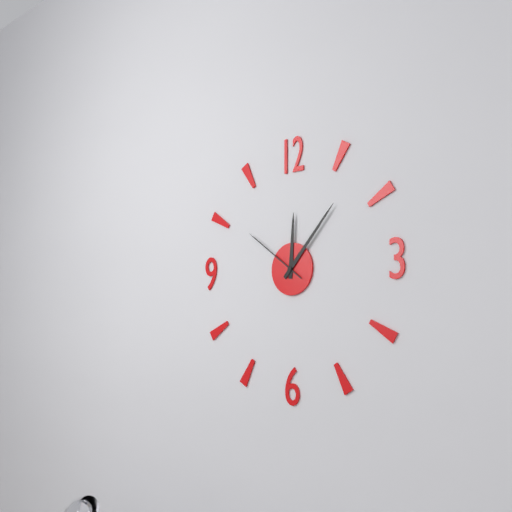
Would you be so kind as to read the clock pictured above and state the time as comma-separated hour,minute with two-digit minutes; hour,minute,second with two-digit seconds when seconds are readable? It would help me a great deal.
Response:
12,07,51
